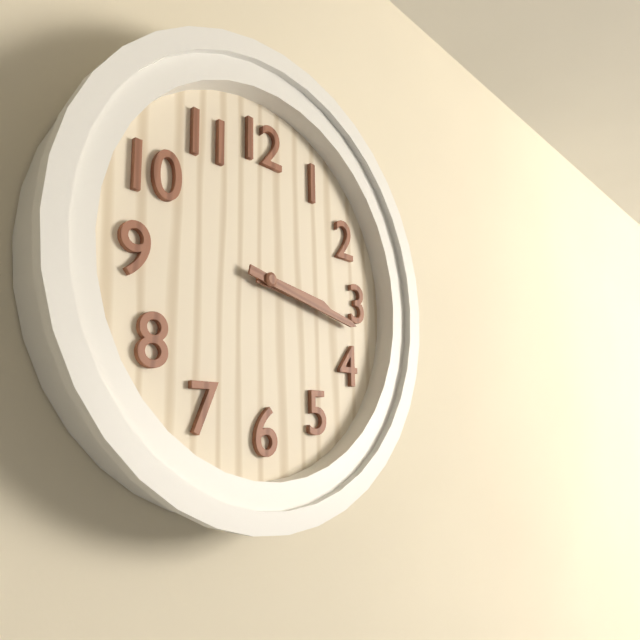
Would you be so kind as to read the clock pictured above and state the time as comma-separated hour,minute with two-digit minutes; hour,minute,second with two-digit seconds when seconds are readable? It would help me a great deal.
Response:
3,17
